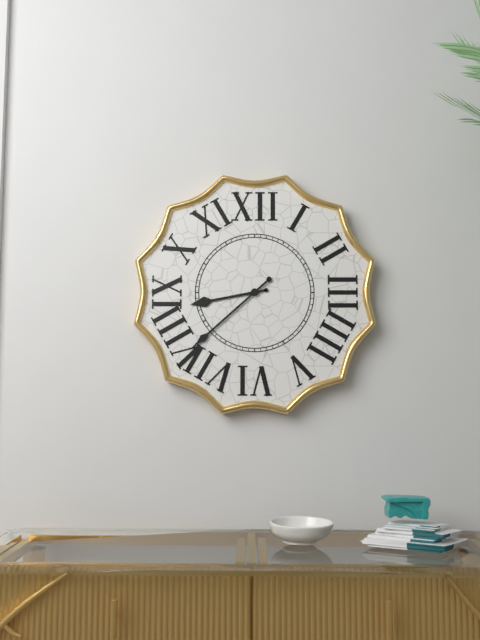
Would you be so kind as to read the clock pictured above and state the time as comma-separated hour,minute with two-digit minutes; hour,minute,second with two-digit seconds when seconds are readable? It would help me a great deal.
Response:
8,38
